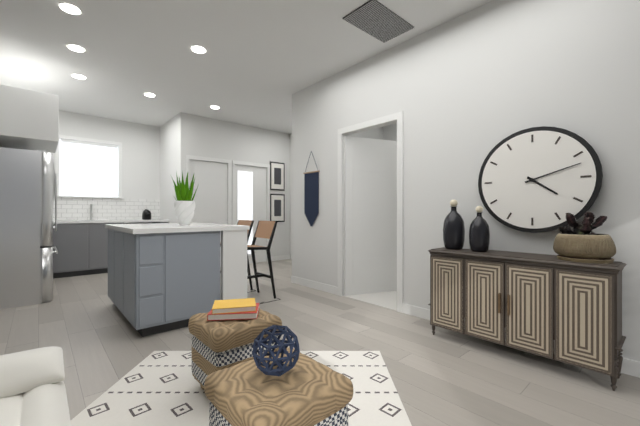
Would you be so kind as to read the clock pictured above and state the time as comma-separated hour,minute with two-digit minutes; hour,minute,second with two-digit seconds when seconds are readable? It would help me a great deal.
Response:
4,12
